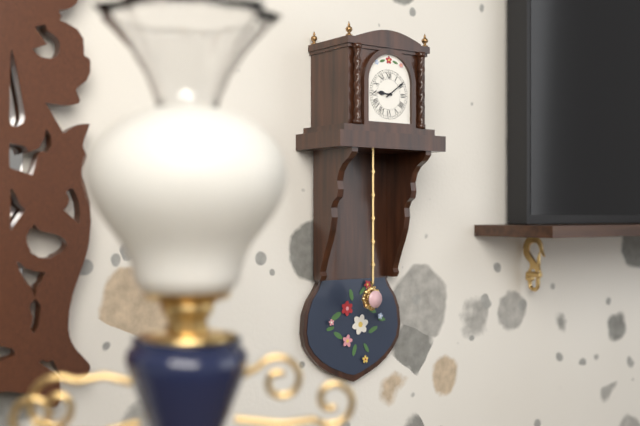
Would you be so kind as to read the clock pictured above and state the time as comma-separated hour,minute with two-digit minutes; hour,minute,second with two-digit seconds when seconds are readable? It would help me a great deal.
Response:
9,09
